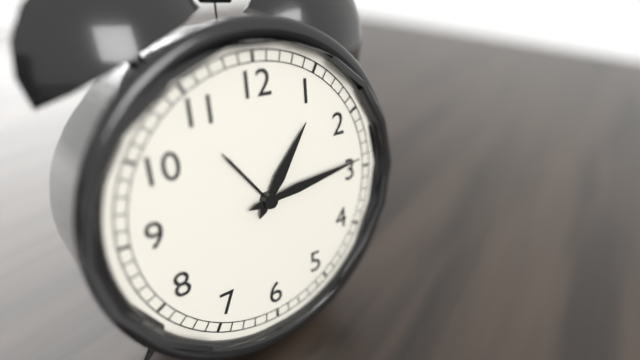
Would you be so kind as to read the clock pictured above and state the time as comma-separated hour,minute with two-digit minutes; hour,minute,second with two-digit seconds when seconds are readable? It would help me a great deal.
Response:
1,14
